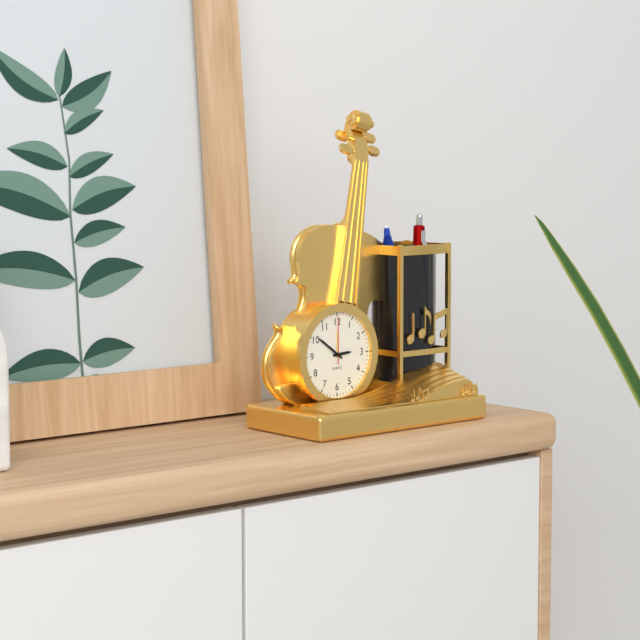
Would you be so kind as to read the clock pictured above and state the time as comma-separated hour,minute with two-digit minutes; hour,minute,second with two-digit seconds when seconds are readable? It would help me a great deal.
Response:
2,51
